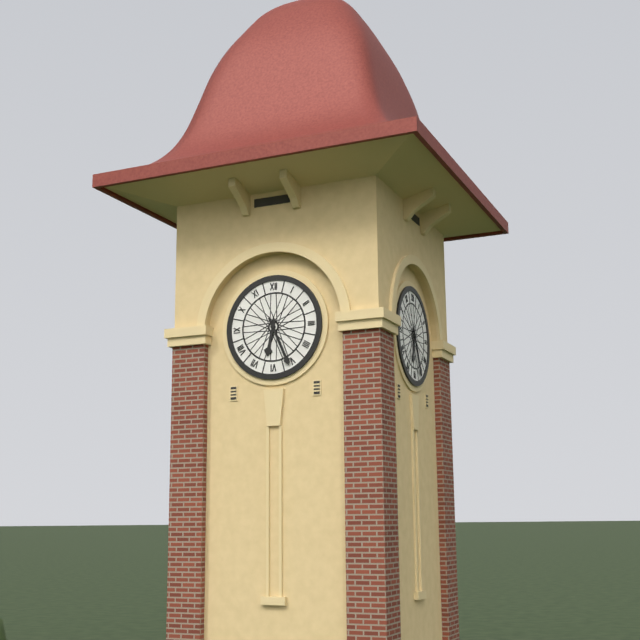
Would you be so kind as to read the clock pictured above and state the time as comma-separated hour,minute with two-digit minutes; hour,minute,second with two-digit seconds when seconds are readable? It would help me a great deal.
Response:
6,26
